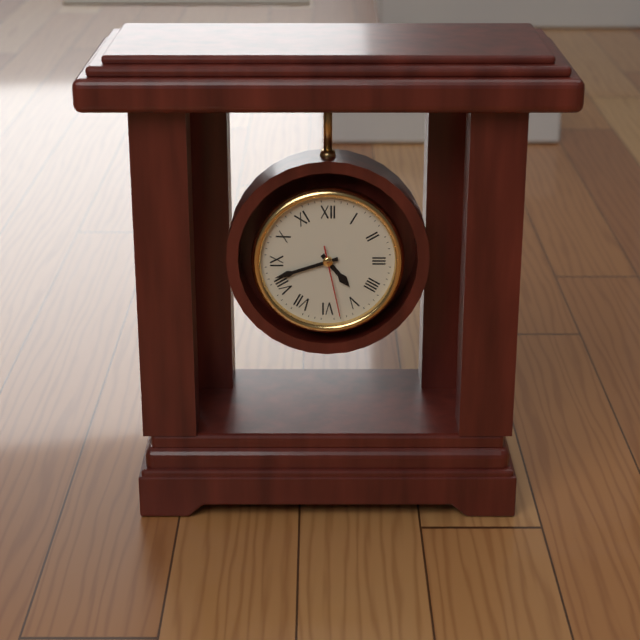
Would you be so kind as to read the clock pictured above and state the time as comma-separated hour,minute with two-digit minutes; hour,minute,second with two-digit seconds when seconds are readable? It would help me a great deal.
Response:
4,42,28
